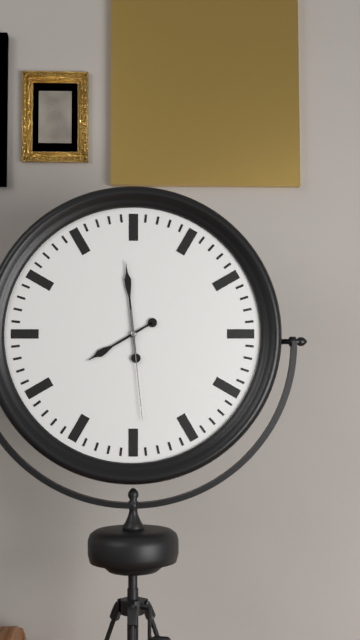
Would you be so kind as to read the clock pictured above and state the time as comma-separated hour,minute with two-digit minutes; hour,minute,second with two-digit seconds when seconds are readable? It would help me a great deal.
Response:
7,59,29
